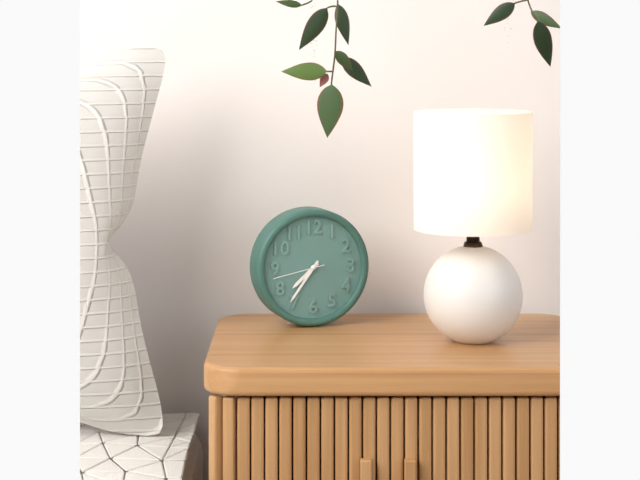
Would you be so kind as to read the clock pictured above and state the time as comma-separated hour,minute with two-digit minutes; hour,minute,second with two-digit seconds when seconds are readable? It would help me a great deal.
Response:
7,36,43
